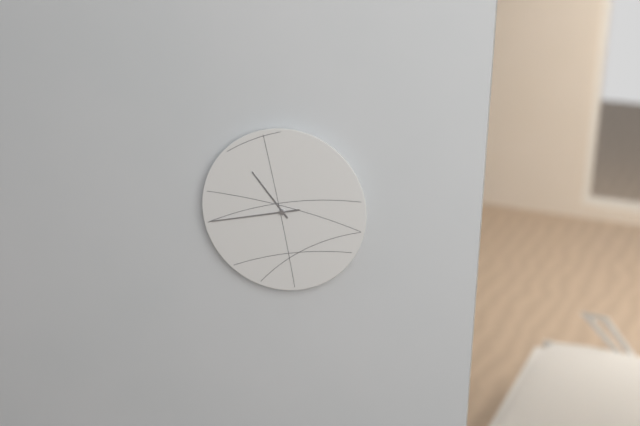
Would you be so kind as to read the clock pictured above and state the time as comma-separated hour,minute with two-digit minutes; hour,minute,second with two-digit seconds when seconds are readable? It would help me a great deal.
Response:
10,43
